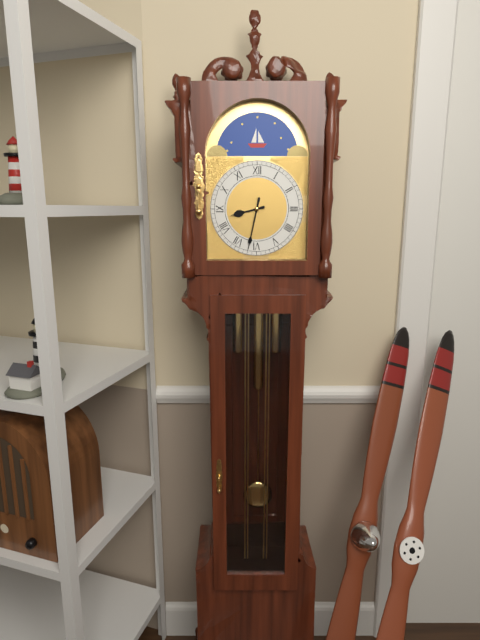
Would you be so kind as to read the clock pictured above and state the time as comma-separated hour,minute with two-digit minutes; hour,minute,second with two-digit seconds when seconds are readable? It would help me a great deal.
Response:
8,32
